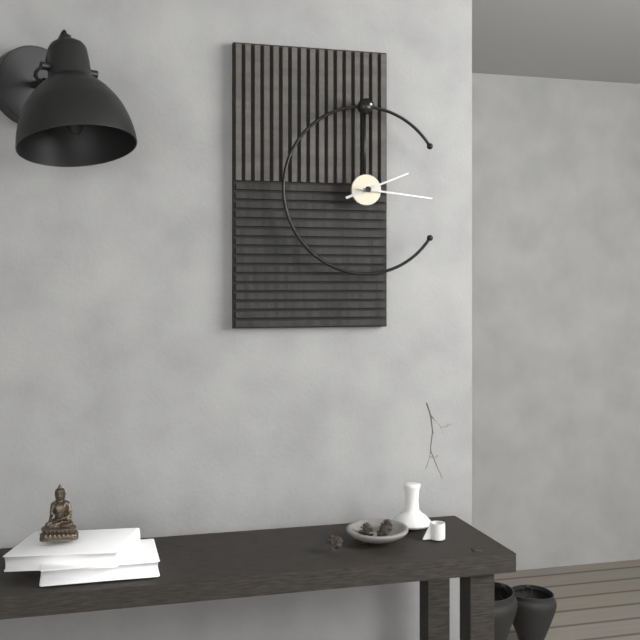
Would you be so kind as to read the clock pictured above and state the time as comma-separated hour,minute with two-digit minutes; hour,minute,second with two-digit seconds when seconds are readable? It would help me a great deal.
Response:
2,16
